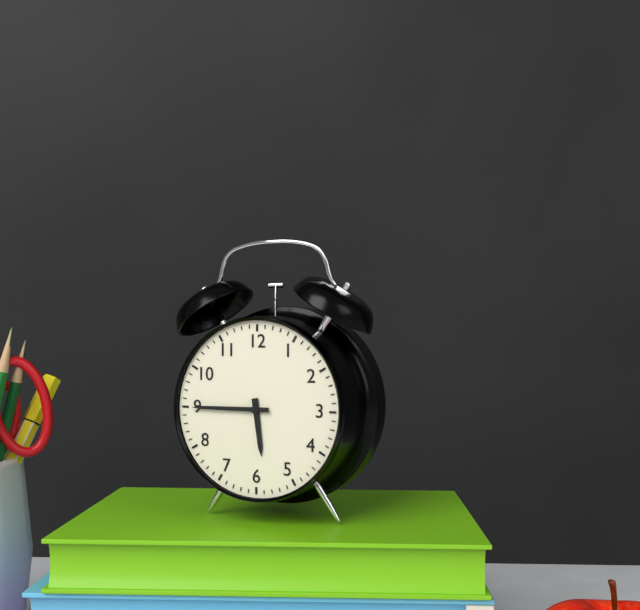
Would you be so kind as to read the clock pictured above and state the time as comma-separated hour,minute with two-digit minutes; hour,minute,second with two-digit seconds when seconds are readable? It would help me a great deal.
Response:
5,45
